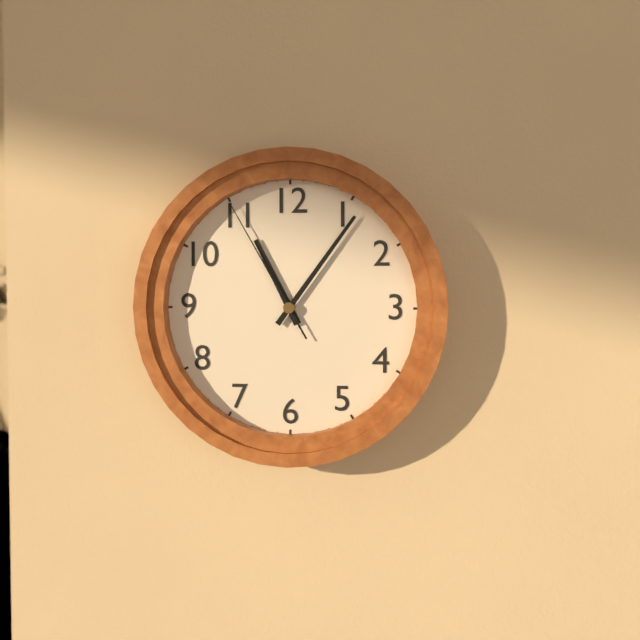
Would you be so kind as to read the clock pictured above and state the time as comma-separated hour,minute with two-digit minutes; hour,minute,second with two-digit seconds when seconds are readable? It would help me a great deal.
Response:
11,06,55
